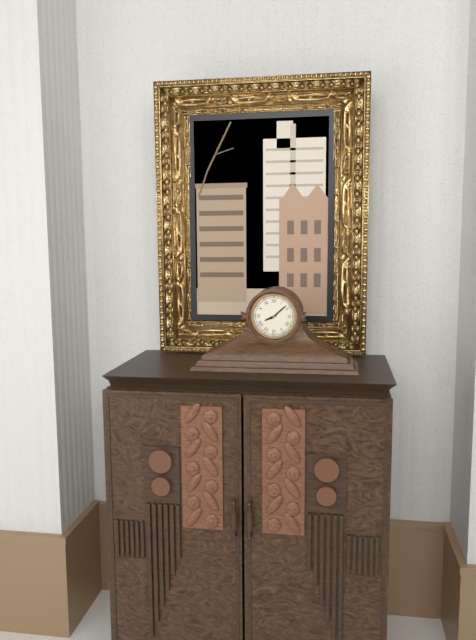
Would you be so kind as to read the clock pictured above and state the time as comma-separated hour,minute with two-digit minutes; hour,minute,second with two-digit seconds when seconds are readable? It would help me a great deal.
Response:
8,08
